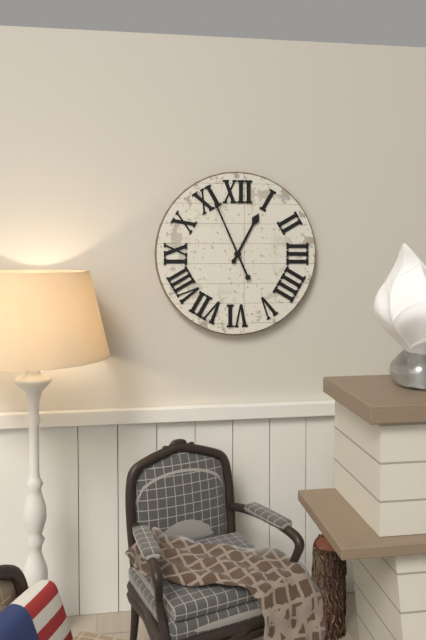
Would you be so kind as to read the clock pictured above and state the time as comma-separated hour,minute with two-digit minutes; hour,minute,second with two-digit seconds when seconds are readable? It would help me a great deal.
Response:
12,56
